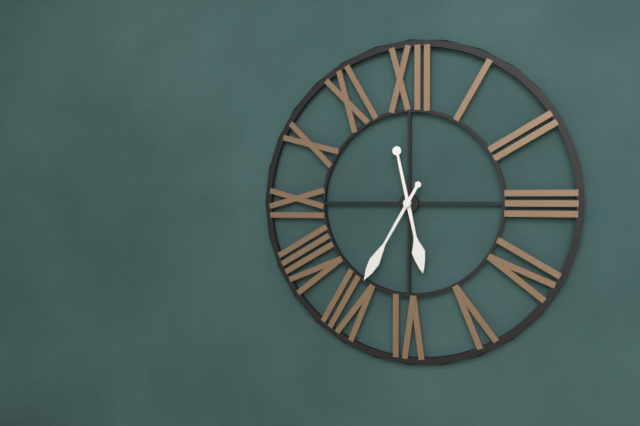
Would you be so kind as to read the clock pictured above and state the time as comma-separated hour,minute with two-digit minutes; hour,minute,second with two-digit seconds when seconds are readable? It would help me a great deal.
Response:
5,35
